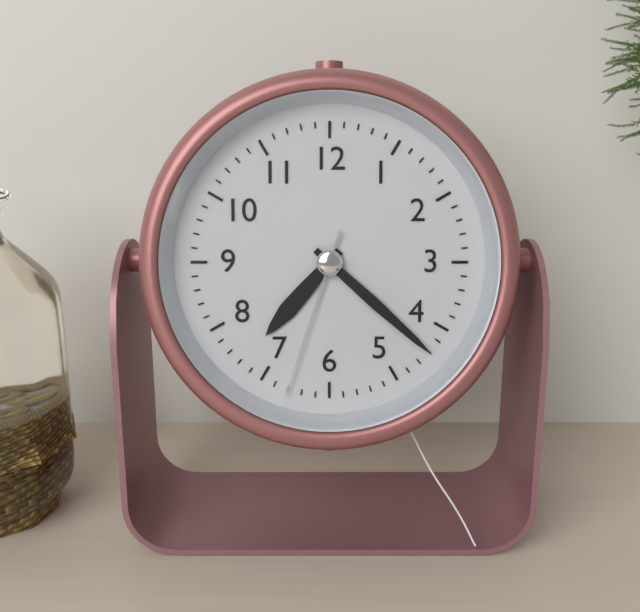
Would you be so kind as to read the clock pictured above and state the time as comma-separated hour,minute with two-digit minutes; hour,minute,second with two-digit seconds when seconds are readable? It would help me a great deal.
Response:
7,22,33
